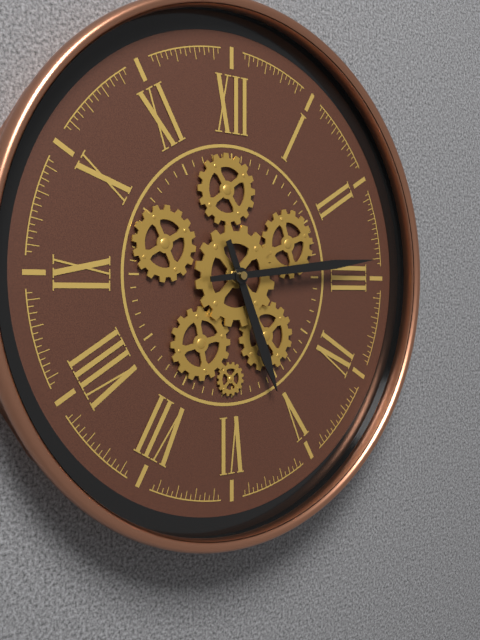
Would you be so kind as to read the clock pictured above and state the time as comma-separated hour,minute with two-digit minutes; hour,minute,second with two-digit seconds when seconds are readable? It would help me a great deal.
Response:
5,14
